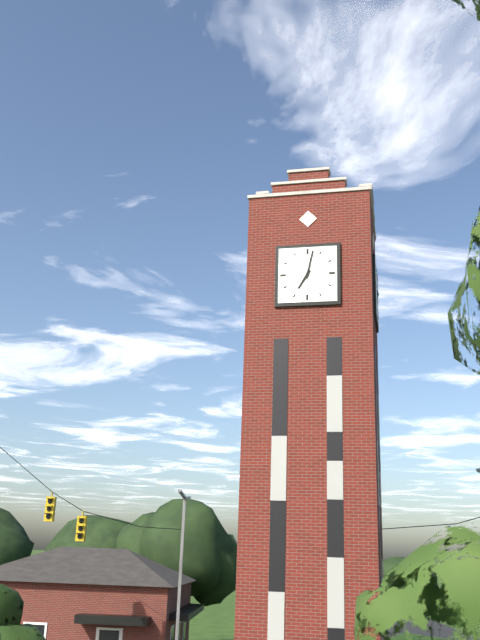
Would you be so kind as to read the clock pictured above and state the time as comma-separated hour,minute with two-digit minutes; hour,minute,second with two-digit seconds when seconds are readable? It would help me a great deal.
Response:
7,02
